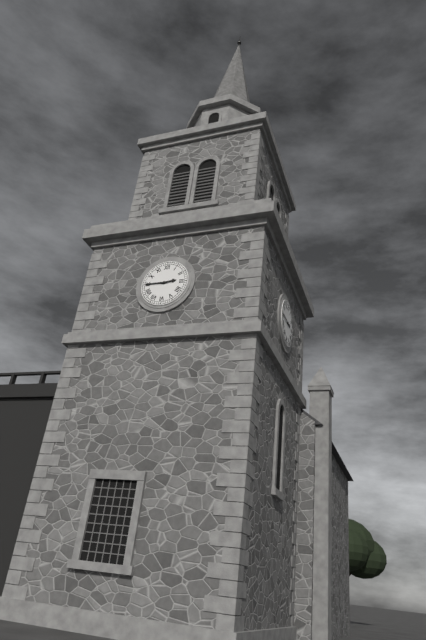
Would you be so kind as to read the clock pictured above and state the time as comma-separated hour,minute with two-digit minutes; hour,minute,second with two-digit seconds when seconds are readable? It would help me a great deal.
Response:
2,45
